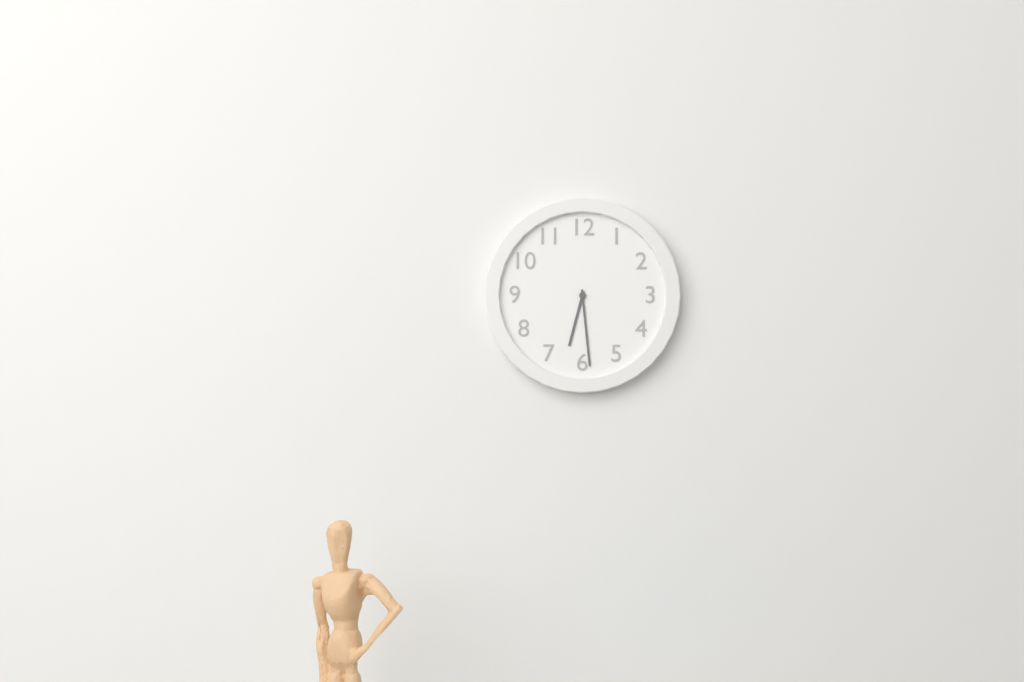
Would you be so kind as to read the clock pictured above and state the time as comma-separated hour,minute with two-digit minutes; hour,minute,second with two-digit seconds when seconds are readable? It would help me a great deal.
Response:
6,29
